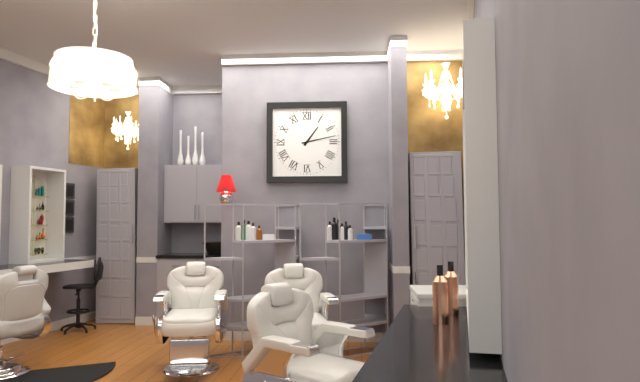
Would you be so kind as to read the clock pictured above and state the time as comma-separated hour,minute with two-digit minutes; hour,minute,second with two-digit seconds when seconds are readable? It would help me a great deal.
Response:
1,13
